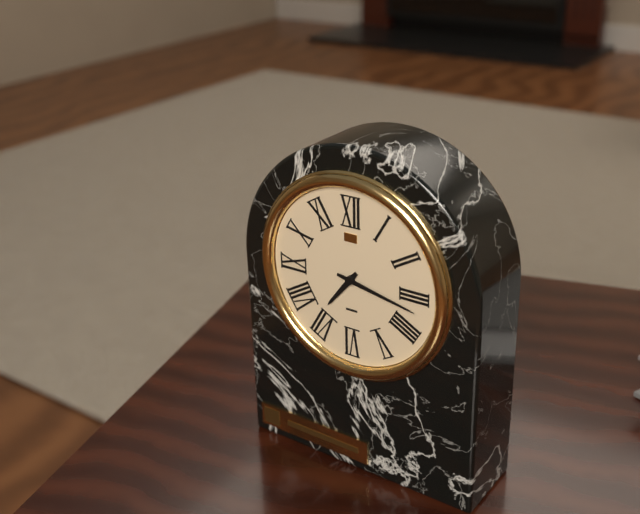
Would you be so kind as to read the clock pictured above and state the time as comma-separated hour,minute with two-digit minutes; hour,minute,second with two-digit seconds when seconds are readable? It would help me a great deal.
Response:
7,17
